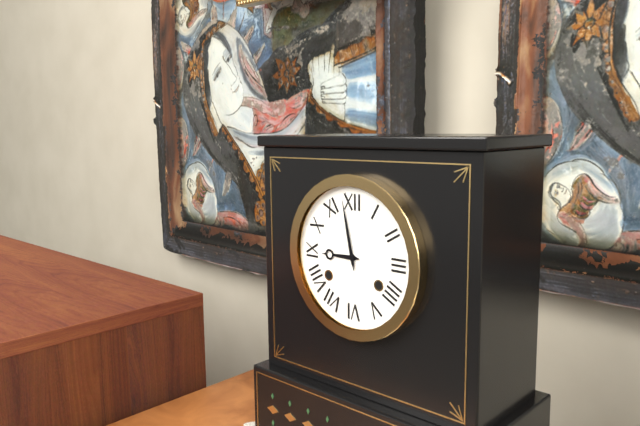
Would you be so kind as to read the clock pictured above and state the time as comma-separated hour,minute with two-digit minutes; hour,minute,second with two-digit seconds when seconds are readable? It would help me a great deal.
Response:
8,58
